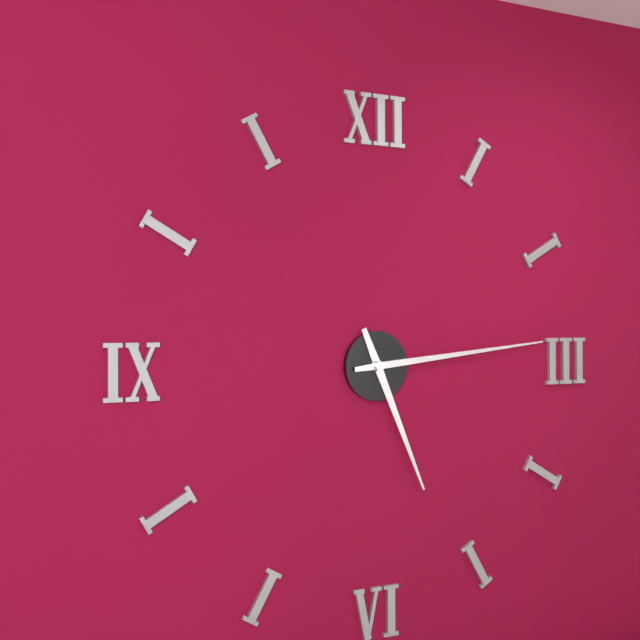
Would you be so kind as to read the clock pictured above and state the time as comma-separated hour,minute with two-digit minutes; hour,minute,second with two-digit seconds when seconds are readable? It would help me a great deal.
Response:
5,14
